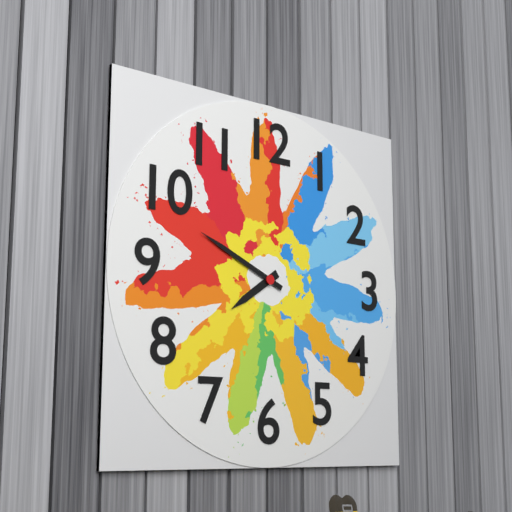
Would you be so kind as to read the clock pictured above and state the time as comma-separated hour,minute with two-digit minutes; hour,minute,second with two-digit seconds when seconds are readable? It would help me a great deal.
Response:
7,49
